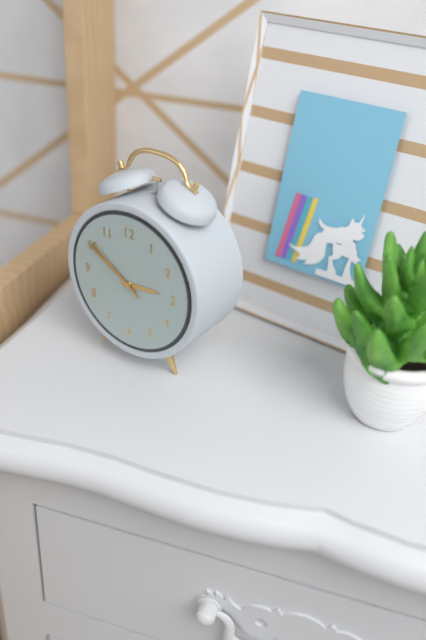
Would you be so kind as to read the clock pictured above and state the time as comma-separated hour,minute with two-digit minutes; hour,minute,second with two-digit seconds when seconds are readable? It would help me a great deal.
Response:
2,50,51
